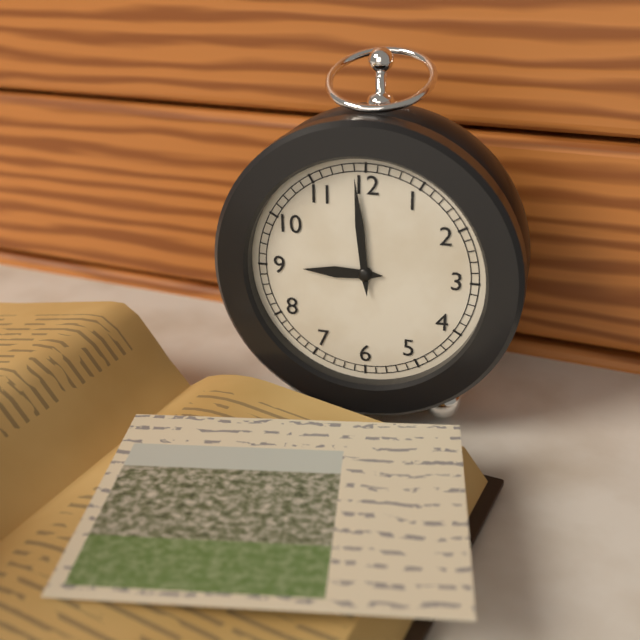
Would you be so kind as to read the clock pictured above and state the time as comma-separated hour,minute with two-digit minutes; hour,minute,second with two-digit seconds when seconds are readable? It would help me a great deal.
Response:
8,59
